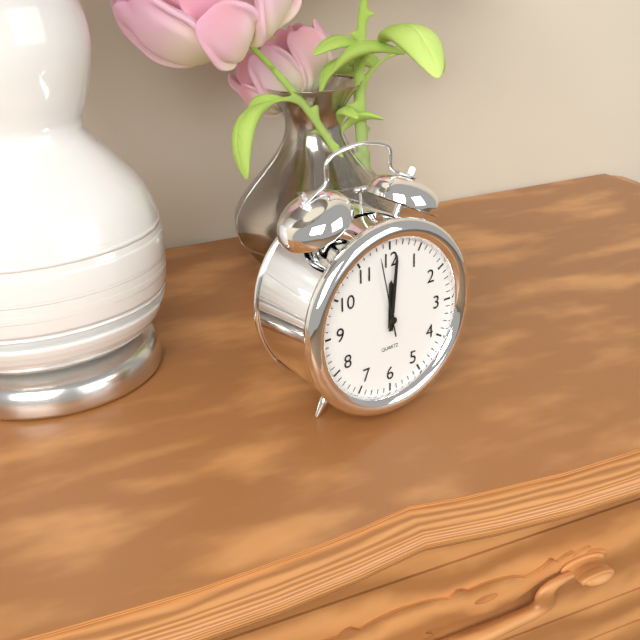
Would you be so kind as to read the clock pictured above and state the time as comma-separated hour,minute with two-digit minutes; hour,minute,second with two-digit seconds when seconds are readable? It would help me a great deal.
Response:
12,01,58
